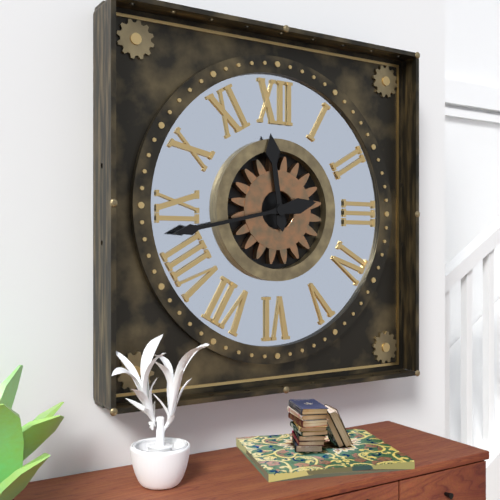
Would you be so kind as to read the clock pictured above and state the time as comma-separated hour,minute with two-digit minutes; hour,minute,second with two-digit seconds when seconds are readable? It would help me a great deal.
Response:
11,43
